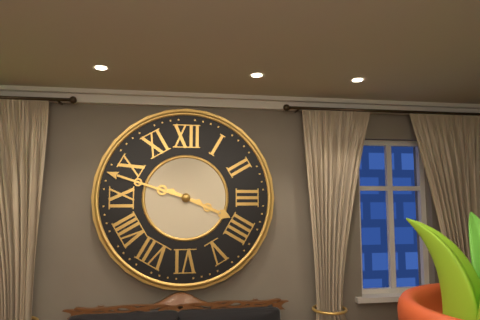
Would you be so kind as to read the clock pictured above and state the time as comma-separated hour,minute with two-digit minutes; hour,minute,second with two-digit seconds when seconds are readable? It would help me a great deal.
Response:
3,48
